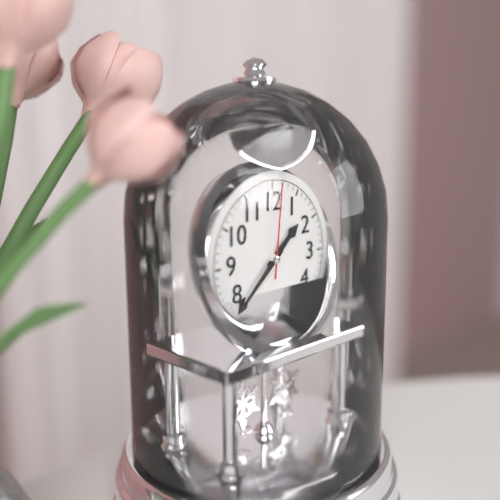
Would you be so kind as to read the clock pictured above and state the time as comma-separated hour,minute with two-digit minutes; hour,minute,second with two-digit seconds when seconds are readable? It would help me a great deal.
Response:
1,38,01
